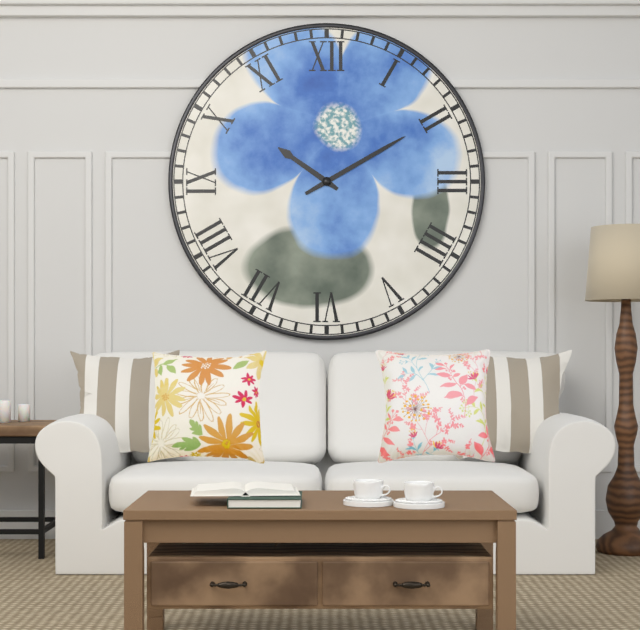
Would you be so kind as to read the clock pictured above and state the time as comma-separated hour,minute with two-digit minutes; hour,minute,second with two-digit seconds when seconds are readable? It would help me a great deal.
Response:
10,10
